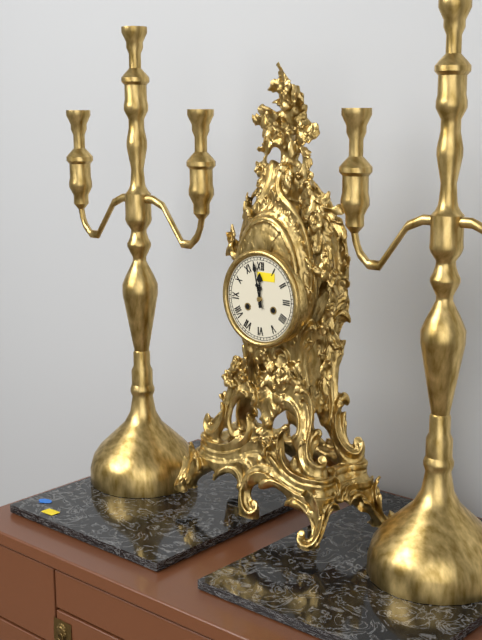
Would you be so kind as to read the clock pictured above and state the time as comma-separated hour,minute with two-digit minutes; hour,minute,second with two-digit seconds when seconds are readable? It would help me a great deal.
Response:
11,58
